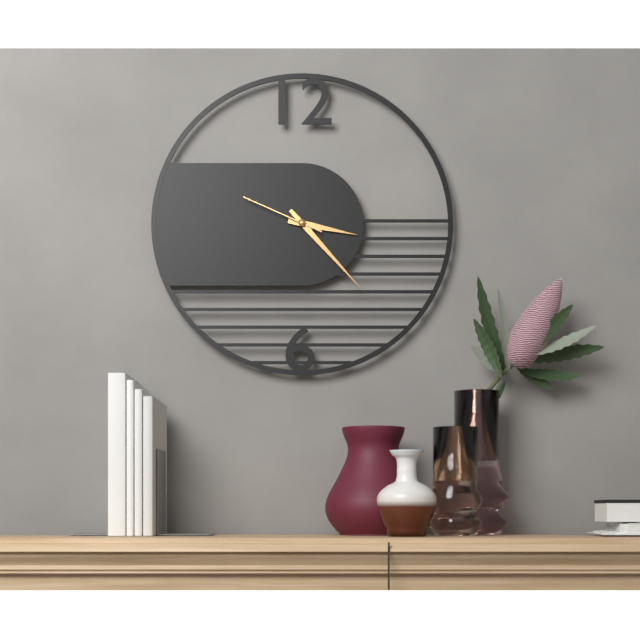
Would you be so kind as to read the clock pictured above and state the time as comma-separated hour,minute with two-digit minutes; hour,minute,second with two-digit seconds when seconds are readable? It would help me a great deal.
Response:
3,23,49
